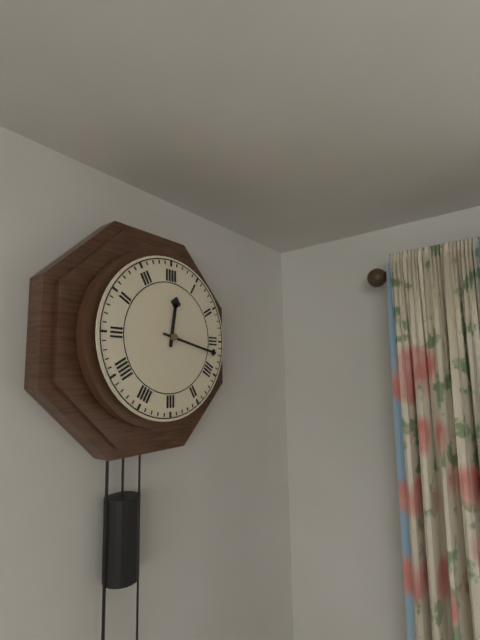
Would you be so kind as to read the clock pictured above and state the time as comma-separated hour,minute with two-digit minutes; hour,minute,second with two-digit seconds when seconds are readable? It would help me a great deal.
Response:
12,17
